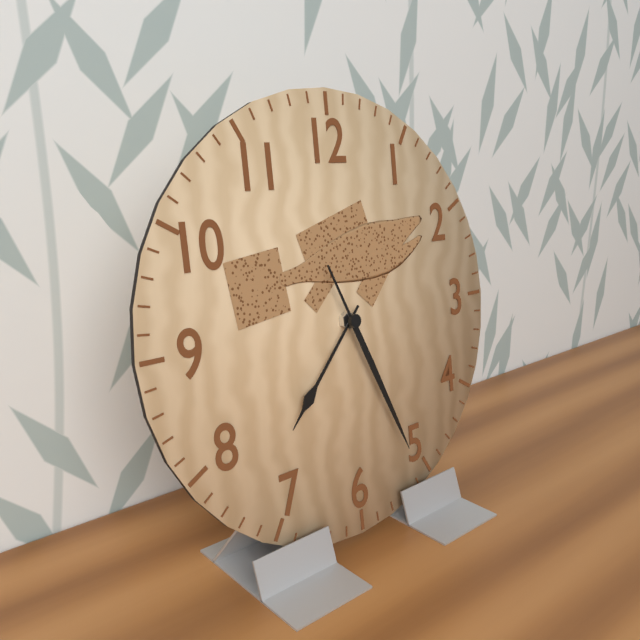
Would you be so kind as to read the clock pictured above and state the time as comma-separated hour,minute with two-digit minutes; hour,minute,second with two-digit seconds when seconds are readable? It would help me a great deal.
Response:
7,26
